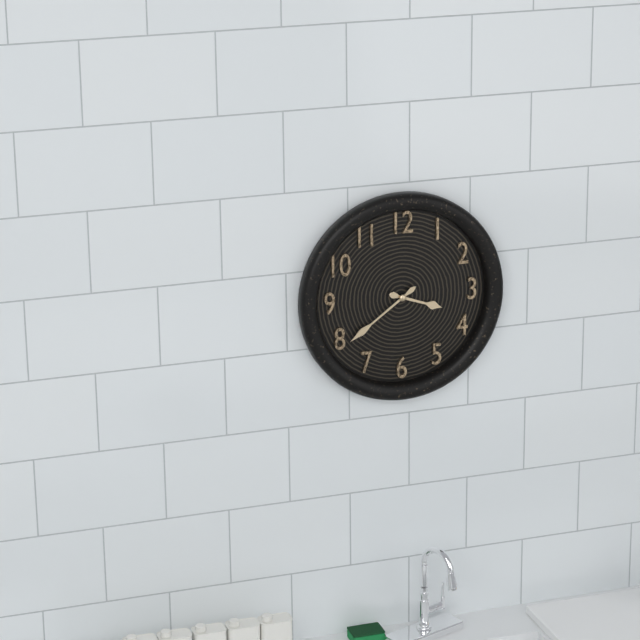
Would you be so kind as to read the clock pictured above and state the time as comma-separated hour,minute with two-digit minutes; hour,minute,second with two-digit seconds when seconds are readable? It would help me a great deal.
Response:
3,39
